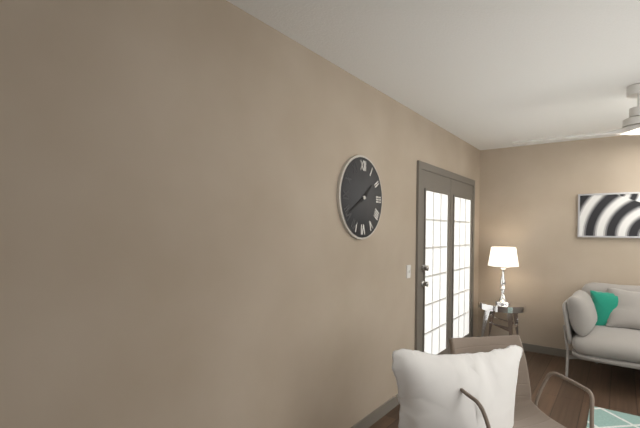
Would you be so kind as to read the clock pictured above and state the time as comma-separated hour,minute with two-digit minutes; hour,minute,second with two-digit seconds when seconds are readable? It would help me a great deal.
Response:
1,40
